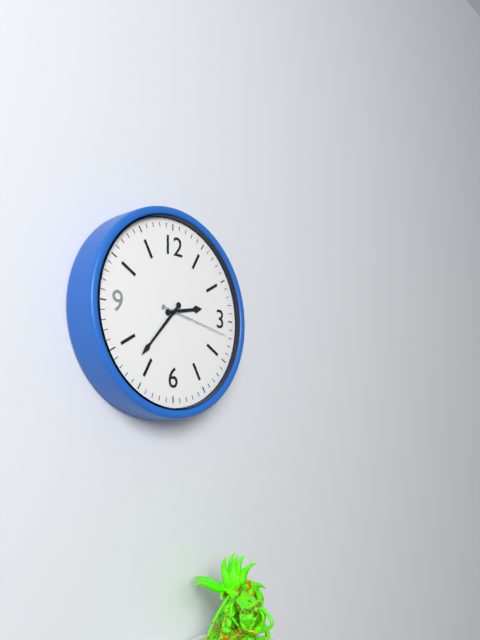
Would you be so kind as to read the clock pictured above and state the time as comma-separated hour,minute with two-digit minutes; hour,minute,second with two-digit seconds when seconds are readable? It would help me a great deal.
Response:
2,37,17
